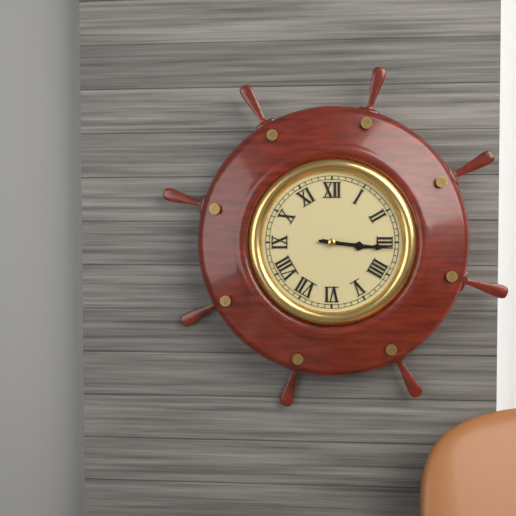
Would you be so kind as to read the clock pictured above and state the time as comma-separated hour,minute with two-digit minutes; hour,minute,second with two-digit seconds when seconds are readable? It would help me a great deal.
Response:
3,16
